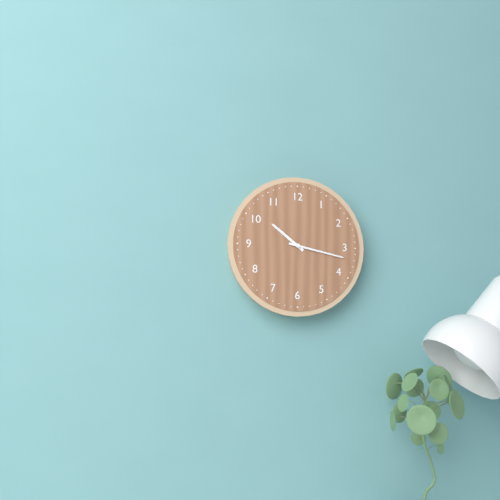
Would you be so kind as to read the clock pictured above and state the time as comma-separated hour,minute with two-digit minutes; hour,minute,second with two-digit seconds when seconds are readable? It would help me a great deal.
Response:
10,17
